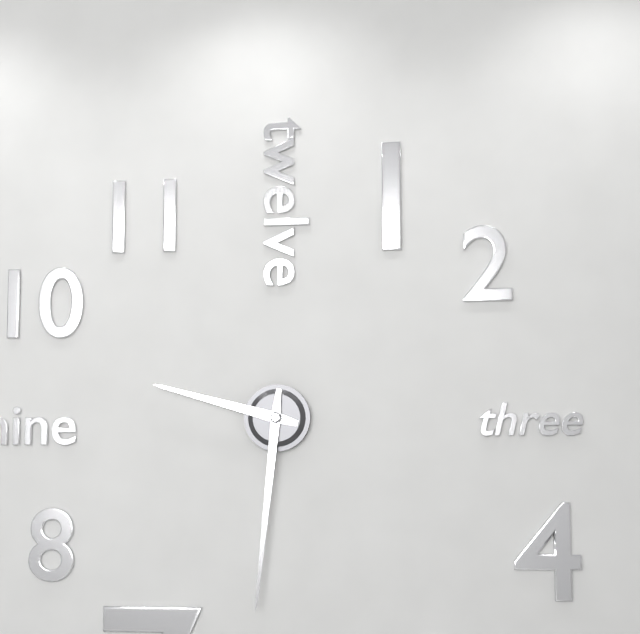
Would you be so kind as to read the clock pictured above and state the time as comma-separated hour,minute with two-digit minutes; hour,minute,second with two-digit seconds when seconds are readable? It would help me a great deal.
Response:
9,31
